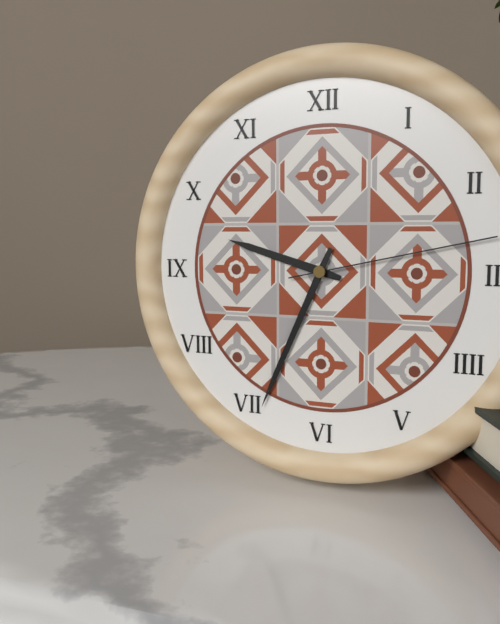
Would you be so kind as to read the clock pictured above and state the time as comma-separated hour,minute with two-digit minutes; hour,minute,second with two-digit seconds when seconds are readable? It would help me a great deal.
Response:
9,34,13
